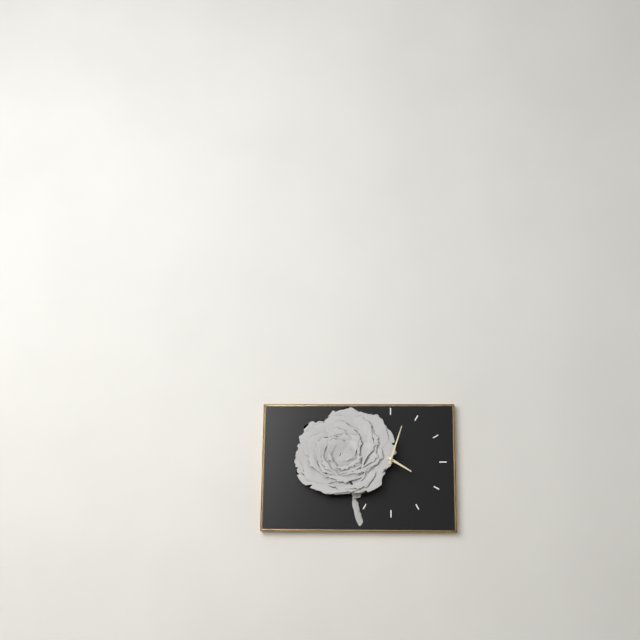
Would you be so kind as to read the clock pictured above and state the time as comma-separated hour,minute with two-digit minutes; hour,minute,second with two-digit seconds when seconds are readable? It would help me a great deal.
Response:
4,03
